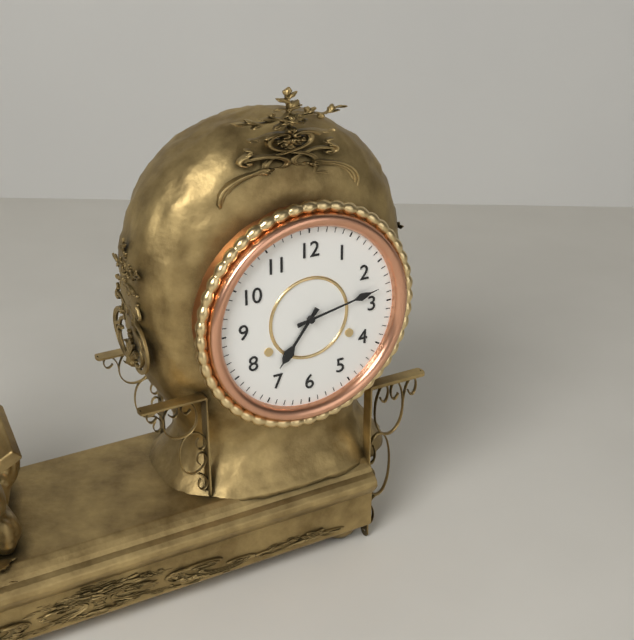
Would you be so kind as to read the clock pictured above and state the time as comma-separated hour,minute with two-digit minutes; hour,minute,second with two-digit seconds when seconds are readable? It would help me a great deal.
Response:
7,13
